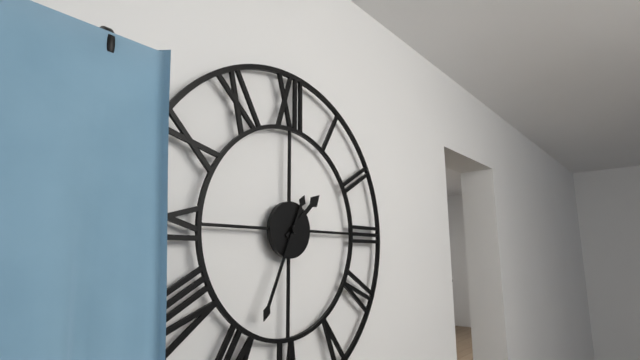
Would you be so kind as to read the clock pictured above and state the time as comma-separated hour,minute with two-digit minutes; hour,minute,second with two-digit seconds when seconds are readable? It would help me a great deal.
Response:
1,34
